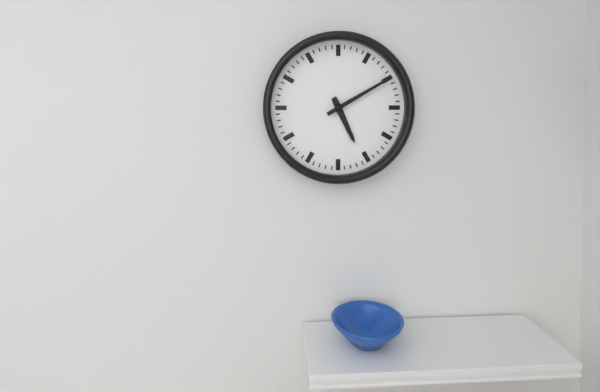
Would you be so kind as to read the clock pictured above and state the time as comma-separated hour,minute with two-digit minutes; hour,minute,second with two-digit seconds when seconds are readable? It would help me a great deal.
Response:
5,10
